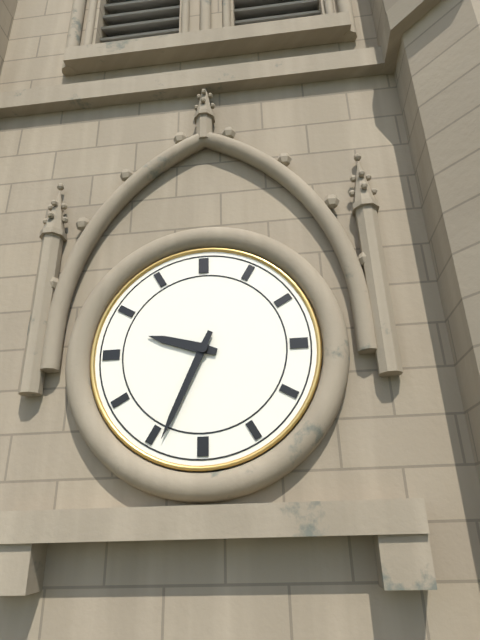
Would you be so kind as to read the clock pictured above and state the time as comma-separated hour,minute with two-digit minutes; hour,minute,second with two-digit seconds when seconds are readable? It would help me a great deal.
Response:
9,34
